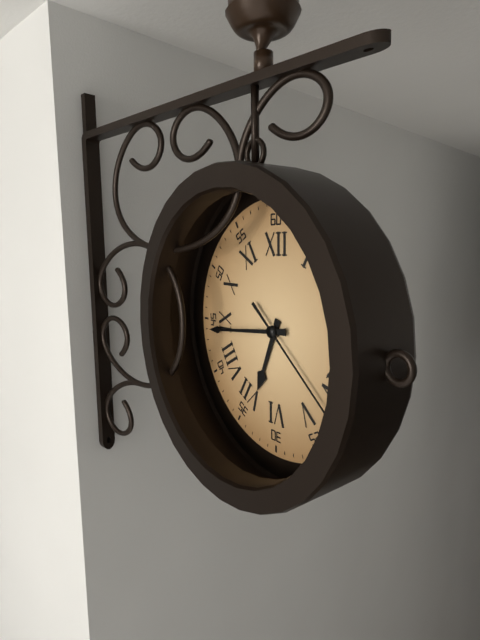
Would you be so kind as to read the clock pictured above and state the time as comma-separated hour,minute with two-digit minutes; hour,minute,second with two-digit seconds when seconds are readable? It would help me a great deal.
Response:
6,44,22
